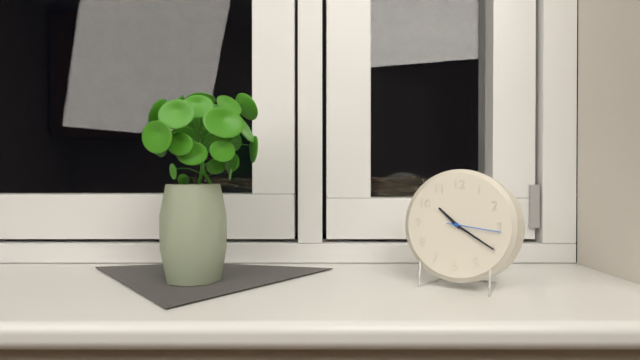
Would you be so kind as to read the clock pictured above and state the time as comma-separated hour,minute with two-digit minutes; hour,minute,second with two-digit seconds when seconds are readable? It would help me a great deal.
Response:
10,20,16
